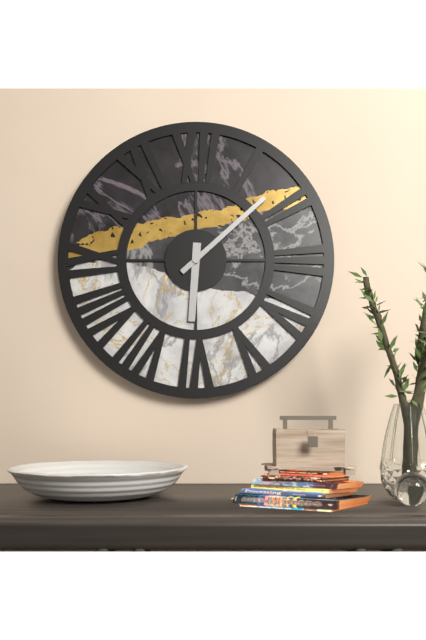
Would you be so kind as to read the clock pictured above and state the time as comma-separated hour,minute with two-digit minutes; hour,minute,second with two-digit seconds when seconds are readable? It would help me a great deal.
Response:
6,08
